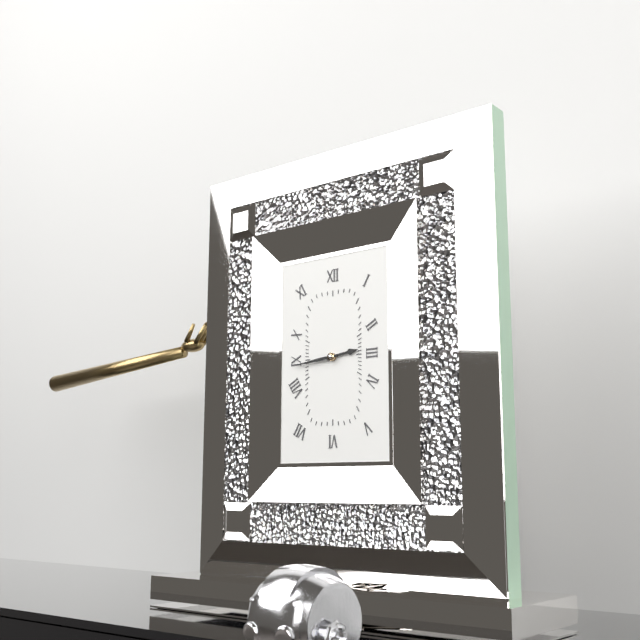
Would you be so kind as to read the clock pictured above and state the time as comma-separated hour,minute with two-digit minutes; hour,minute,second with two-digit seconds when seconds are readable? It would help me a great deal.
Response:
2,44
